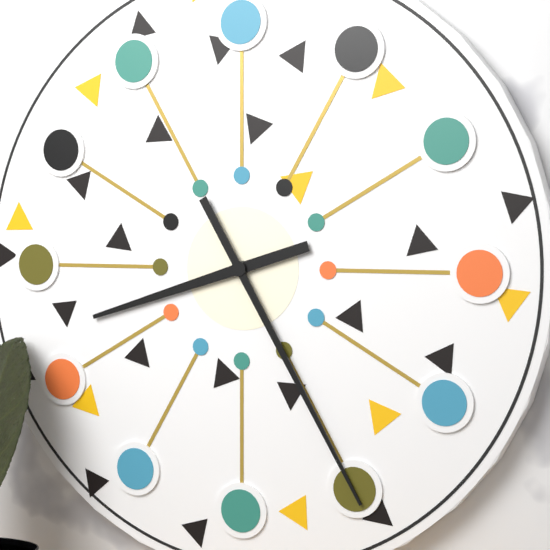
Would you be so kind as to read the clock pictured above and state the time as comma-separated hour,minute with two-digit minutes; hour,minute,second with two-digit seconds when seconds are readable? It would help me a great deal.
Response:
8,25
